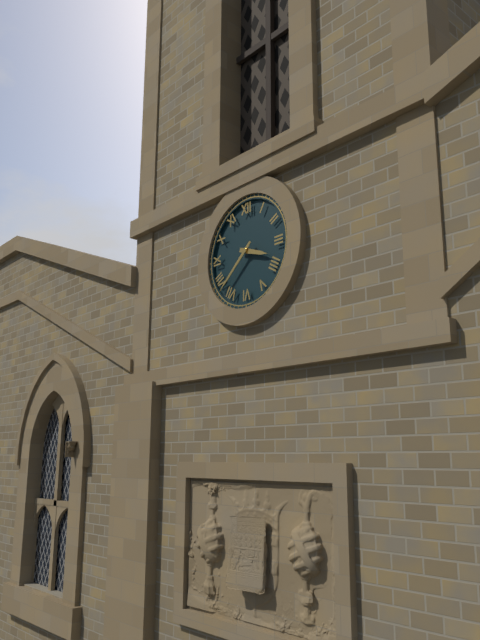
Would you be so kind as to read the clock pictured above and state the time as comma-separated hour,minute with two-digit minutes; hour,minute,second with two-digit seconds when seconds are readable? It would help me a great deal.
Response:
3,38
